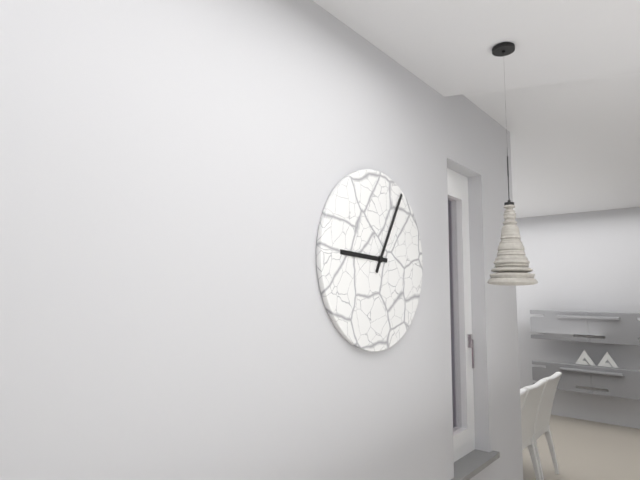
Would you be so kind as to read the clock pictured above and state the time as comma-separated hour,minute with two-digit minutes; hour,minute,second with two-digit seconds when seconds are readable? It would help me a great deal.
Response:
9,05
